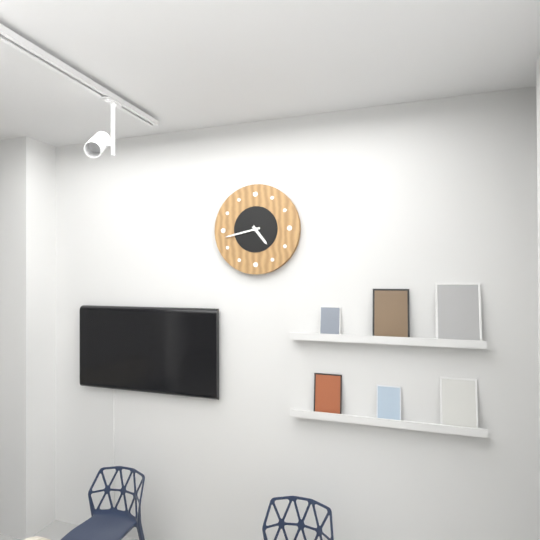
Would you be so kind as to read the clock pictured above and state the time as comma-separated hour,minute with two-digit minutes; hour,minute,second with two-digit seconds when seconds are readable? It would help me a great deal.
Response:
4,43
